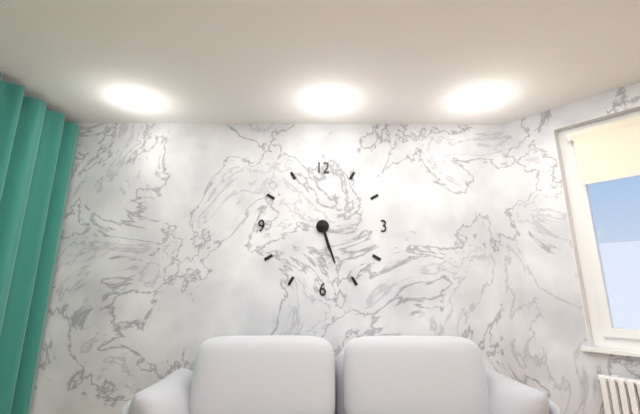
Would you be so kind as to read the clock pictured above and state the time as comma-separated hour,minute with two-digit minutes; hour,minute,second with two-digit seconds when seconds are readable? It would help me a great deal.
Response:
5,27
